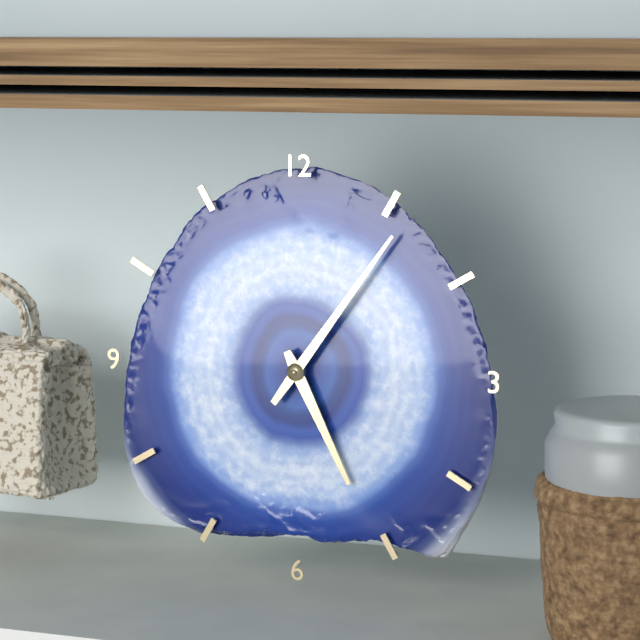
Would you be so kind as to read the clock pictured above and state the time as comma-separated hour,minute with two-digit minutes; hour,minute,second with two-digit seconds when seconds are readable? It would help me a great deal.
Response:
5,06
